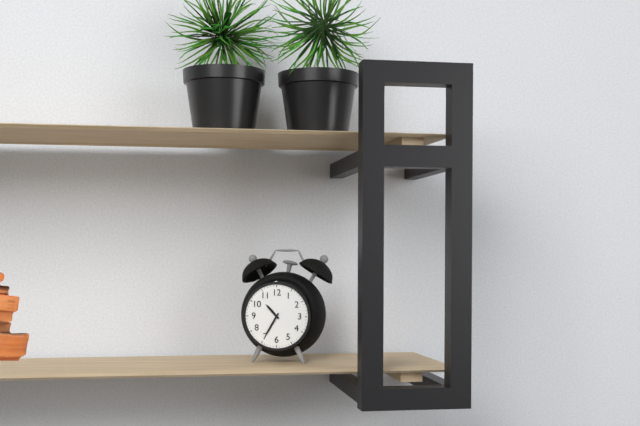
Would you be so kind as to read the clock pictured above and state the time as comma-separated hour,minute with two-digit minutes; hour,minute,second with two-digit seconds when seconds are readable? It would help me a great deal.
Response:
10,35
